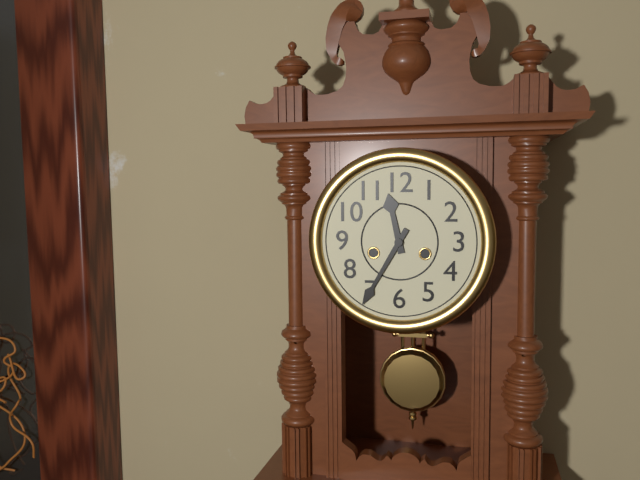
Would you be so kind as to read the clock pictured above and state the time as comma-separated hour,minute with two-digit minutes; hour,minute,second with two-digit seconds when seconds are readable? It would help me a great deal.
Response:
11,35
